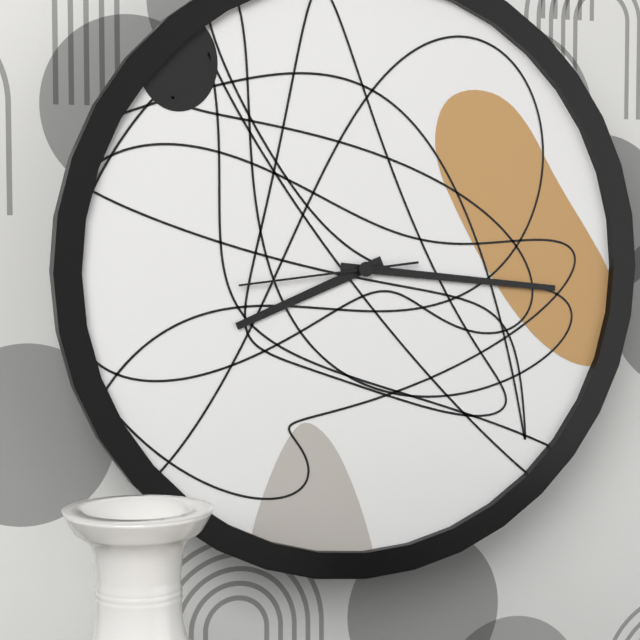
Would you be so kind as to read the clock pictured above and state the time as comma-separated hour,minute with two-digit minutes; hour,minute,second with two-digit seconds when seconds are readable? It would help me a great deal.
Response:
8,16,44
